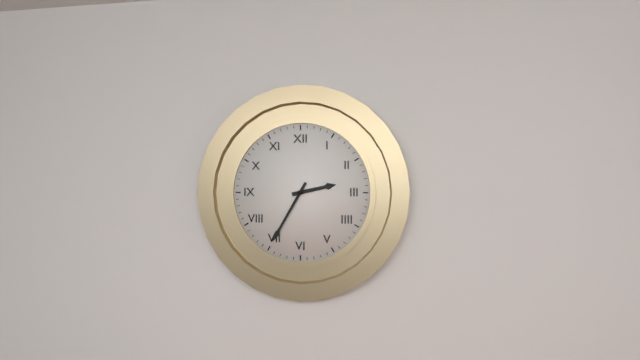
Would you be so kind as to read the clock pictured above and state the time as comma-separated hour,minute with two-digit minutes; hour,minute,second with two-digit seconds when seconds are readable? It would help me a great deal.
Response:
2,35
